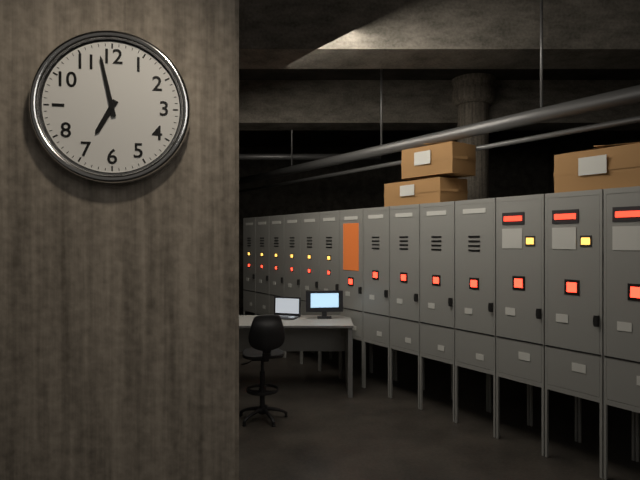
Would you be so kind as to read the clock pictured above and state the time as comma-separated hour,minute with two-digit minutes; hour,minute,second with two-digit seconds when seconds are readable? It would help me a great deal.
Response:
6,58
